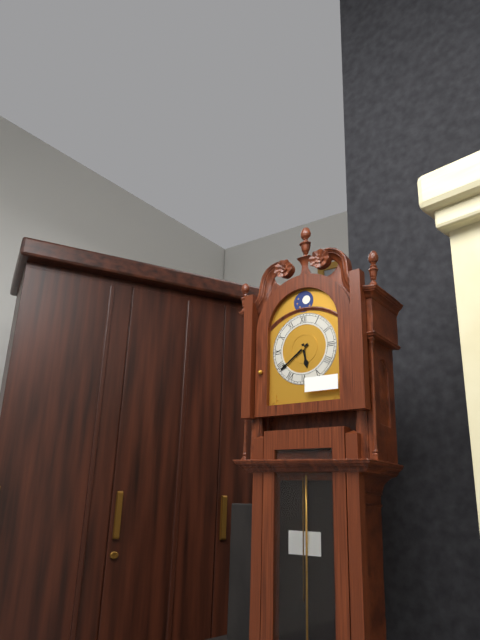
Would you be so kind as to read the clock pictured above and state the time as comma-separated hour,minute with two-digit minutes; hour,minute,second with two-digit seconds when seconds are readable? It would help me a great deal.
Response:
5,39
